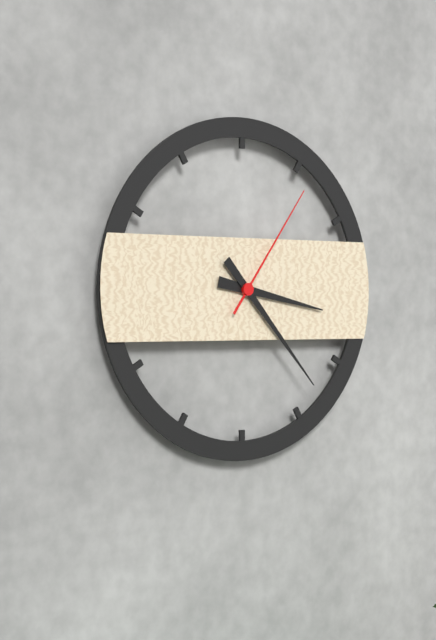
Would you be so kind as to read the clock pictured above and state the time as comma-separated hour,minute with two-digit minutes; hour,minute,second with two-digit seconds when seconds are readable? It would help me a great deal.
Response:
3,23,06
